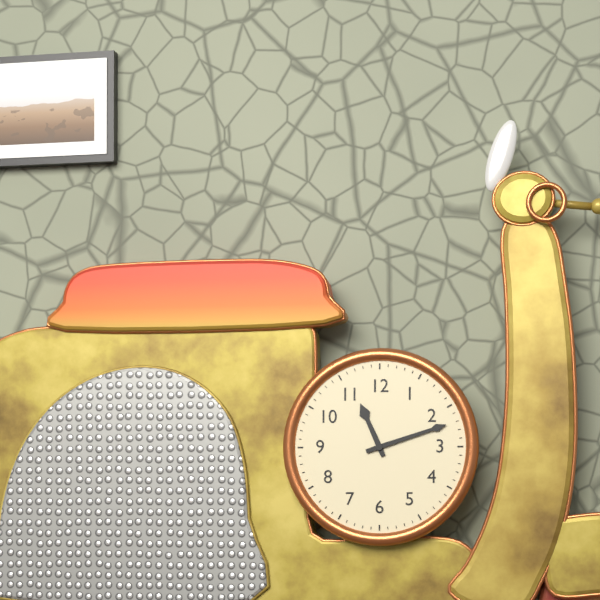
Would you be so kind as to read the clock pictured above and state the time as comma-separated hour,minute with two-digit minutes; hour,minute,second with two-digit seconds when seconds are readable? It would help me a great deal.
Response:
11,12
